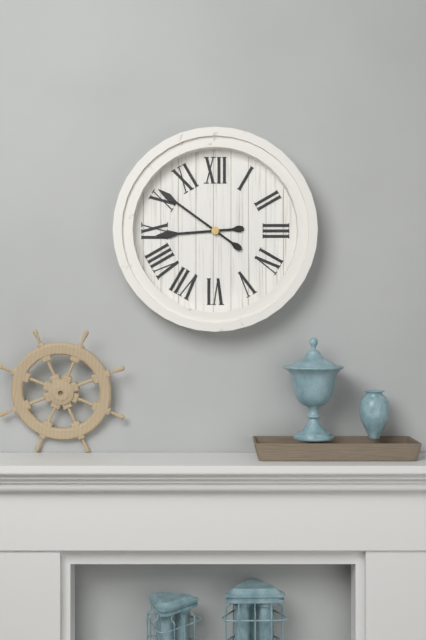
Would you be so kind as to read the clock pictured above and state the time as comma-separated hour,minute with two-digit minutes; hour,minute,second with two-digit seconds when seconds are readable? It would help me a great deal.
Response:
8,51
